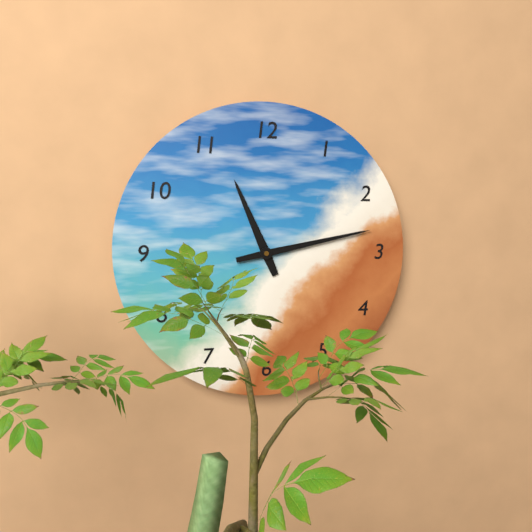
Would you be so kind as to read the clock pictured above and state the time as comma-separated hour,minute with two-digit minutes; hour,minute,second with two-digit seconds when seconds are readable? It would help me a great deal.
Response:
11,13
